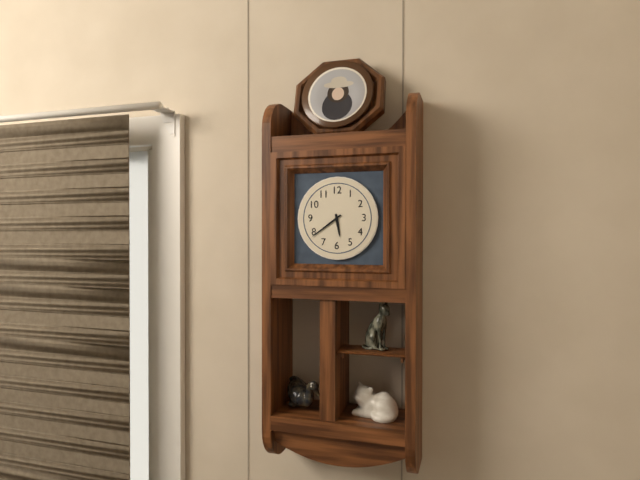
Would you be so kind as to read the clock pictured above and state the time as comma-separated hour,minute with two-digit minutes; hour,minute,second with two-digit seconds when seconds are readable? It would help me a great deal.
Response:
5,39
